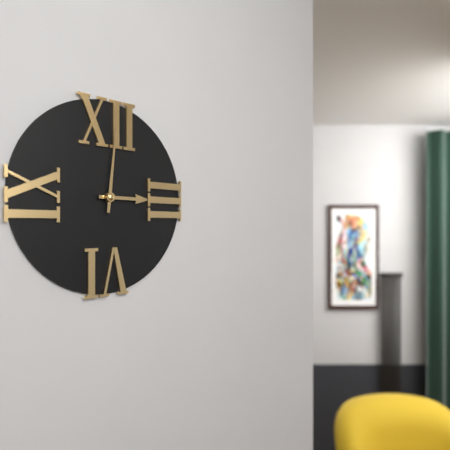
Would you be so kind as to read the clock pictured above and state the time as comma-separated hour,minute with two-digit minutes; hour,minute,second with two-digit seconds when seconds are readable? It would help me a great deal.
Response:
3,01
